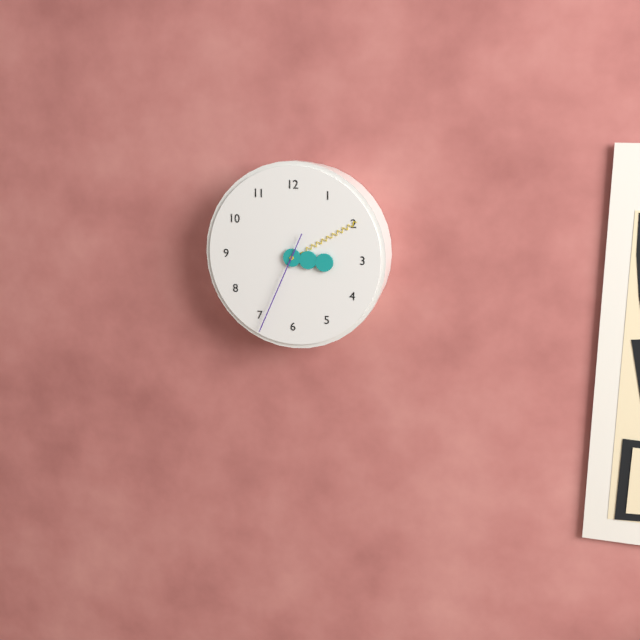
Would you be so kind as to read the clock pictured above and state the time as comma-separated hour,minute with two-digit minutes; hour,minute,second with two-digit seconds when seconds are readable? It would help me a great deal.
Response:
3,10,34
